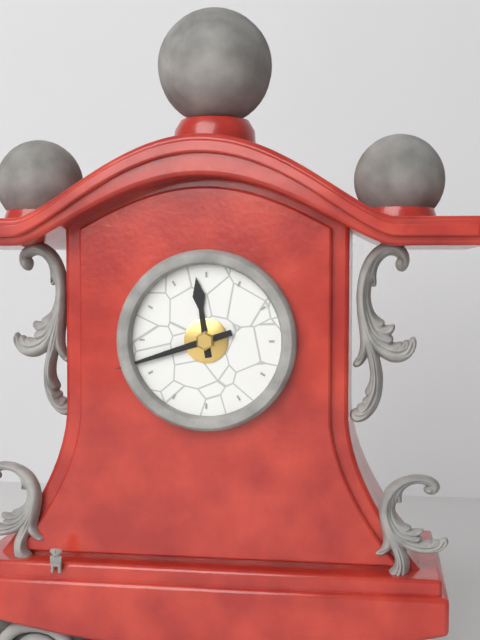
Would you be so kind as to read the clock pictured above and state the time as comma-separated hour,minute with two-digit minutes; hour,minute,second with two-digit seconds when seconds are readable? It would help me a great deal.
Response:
11,42
